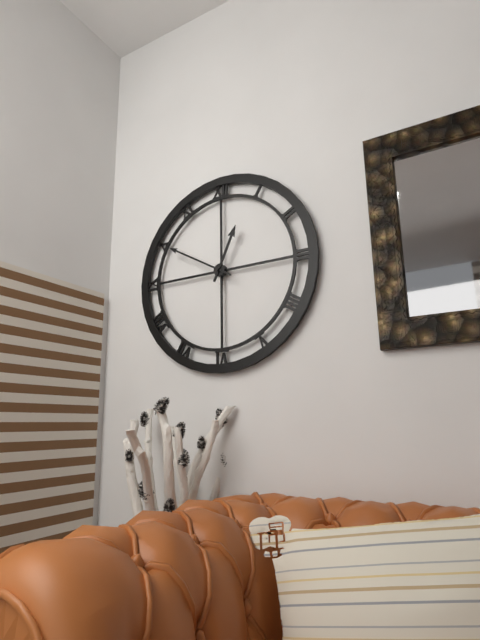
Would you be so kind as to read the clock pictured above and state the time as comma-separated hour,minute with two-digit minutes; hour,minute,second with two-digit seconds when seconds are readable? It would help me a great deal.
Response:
12,50
